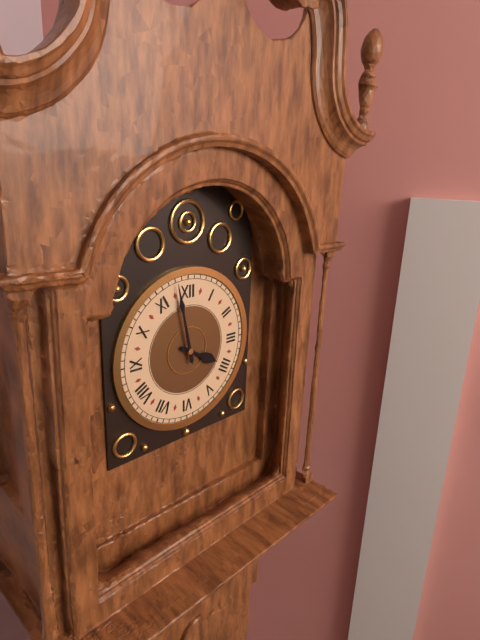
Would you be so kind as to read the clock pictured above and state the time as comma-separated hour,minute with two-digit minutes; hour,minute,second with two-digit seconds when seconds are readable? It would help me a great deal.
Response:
3,58
